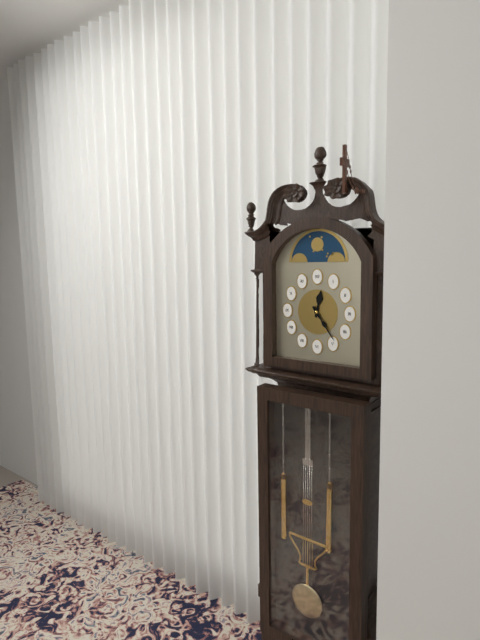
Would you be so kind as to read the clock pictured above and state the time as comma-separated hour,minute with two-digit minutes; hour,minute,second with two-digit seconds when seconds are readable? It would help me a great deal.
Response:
12,24
